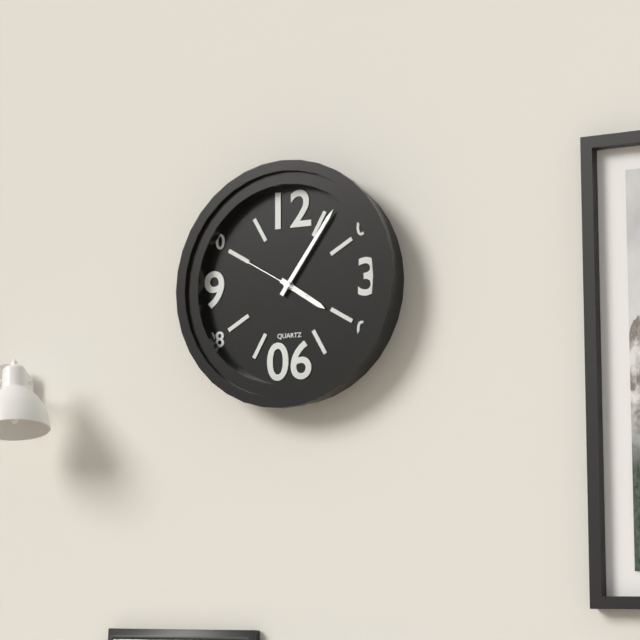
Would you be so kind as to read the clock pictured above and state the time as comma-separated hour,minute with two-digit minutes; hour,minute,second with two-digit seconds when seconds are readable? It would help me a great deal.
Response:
4,06,50
